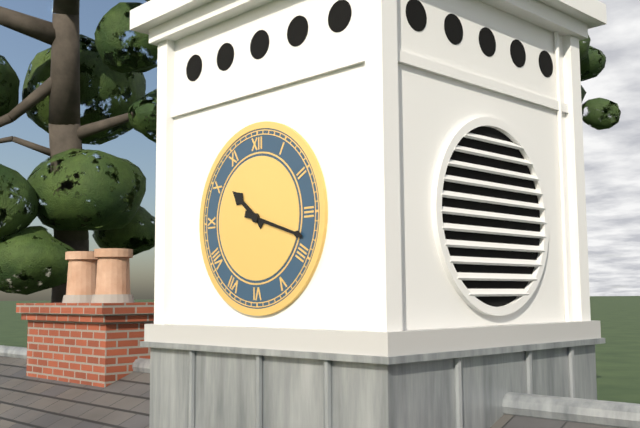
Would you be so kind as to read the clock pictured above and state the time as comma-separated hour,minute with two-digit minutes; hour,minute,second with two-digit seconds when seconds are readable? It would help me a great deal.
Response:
10,18
